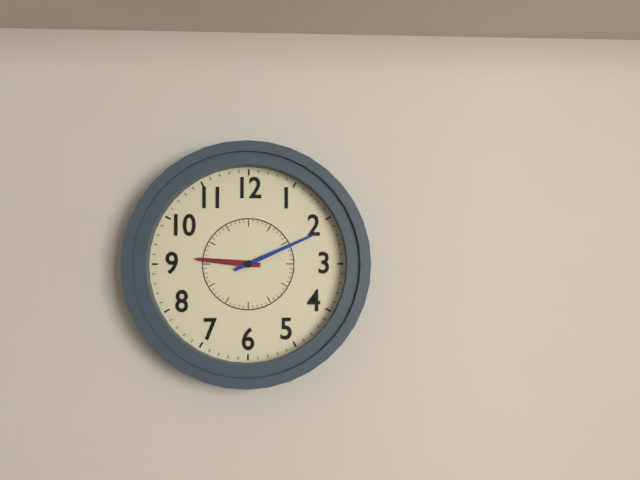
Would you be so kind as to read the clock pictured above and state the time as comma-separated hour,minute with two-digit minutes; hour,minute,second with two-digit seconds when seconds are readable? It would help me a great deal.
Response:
9,11
